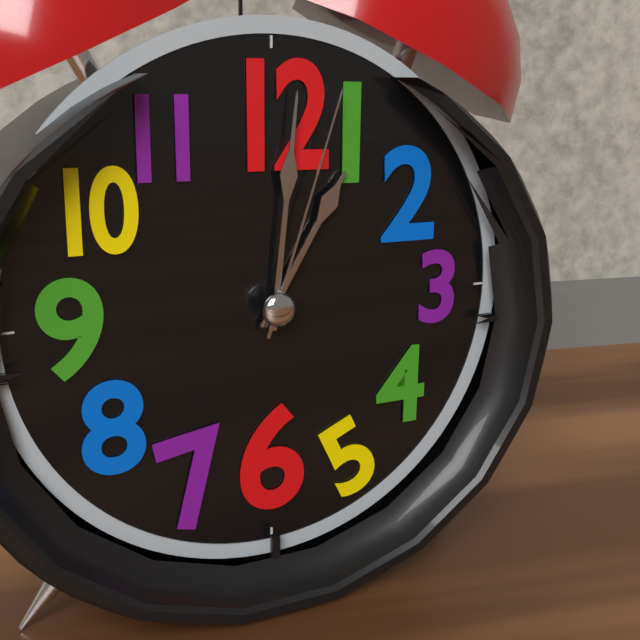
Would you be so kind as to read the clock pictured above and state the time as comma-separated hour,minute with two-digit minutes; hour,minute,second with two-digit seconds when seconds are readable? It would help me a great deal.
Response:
1,01,03
